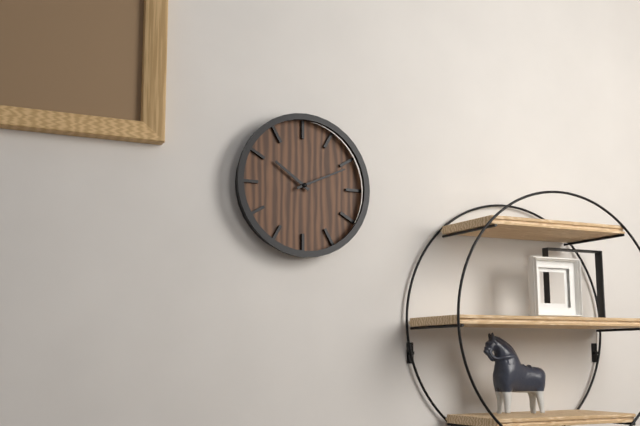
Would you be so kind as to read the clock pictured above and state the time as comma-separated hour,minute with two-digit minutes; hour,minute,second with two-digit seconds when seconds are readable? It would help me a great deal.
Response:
10,11
